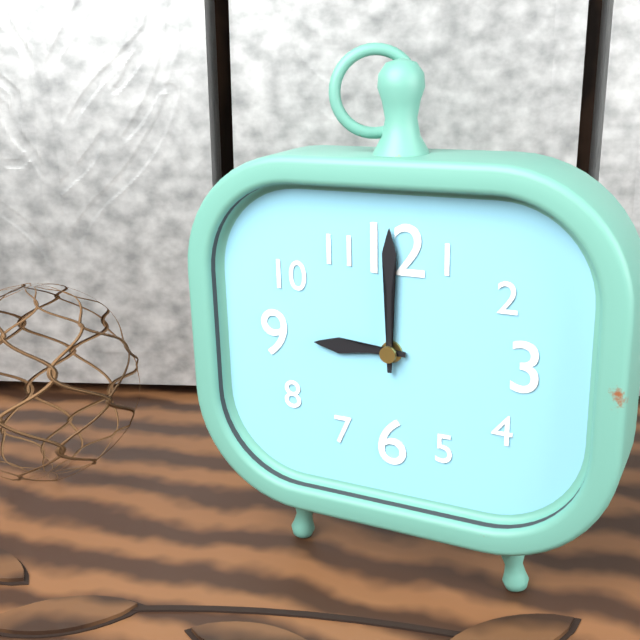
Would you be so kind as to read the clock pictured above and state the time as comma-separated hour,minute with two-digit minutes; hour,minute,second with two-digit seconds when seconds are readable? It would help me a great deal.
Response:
9,00
